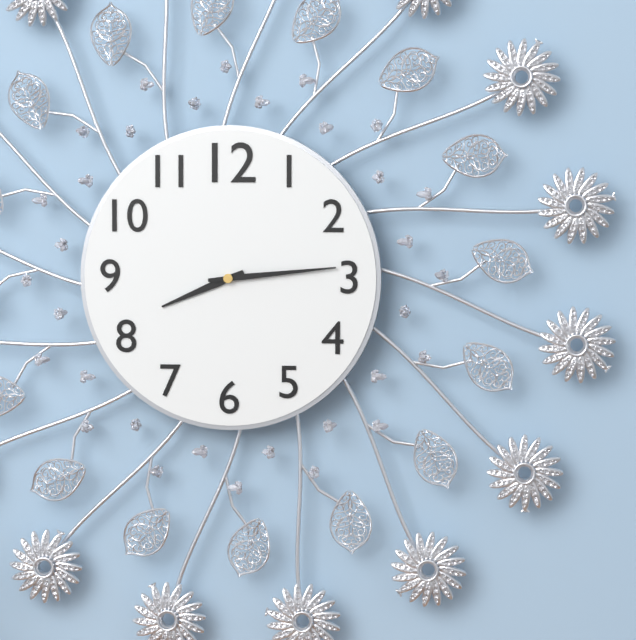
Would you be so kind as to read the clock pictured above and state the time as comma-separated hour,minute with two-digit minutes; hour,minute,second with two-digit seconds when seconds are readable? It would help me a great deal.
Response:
8,14
